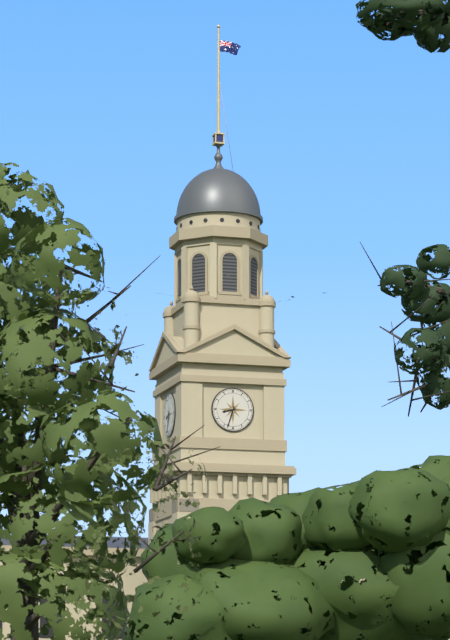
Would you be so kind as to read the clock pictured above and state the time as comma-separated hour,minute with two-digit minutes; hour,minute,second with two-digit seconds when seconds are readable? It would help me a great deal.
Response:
8,33
